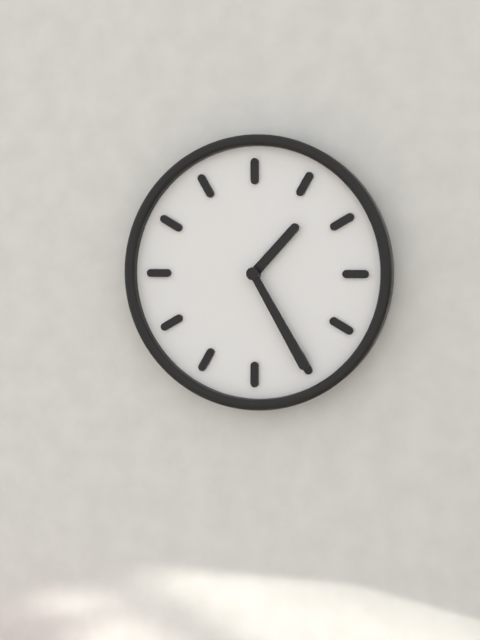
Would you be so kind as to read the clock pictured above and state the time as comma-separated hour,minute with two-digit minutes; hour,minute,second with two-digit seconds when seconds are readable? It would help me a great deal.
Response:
1,25
